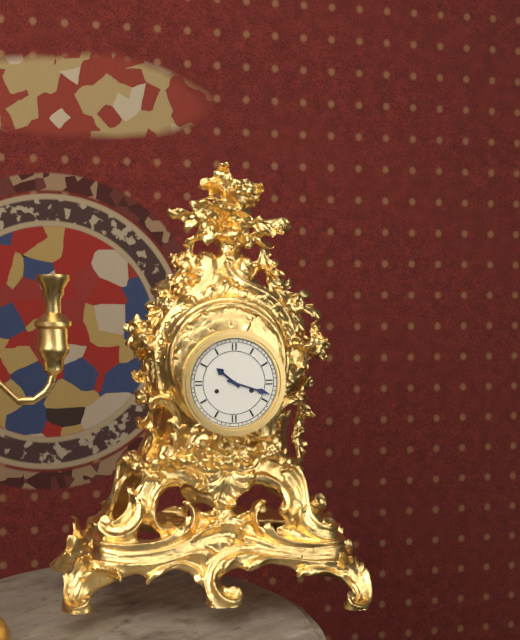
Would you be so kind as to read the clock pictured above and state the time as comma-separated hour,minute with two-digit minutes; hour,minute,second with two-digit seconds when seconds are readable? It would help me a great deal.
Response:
10,18
